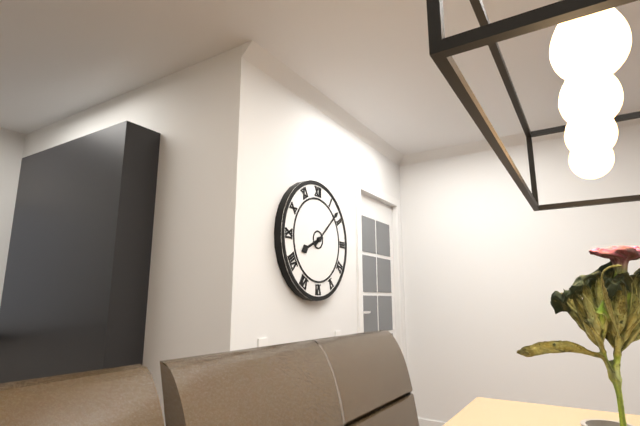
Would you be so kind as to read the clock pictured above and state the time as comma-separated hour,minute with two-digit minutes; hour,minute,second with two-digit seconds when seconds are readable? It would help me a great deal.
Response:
8,08
